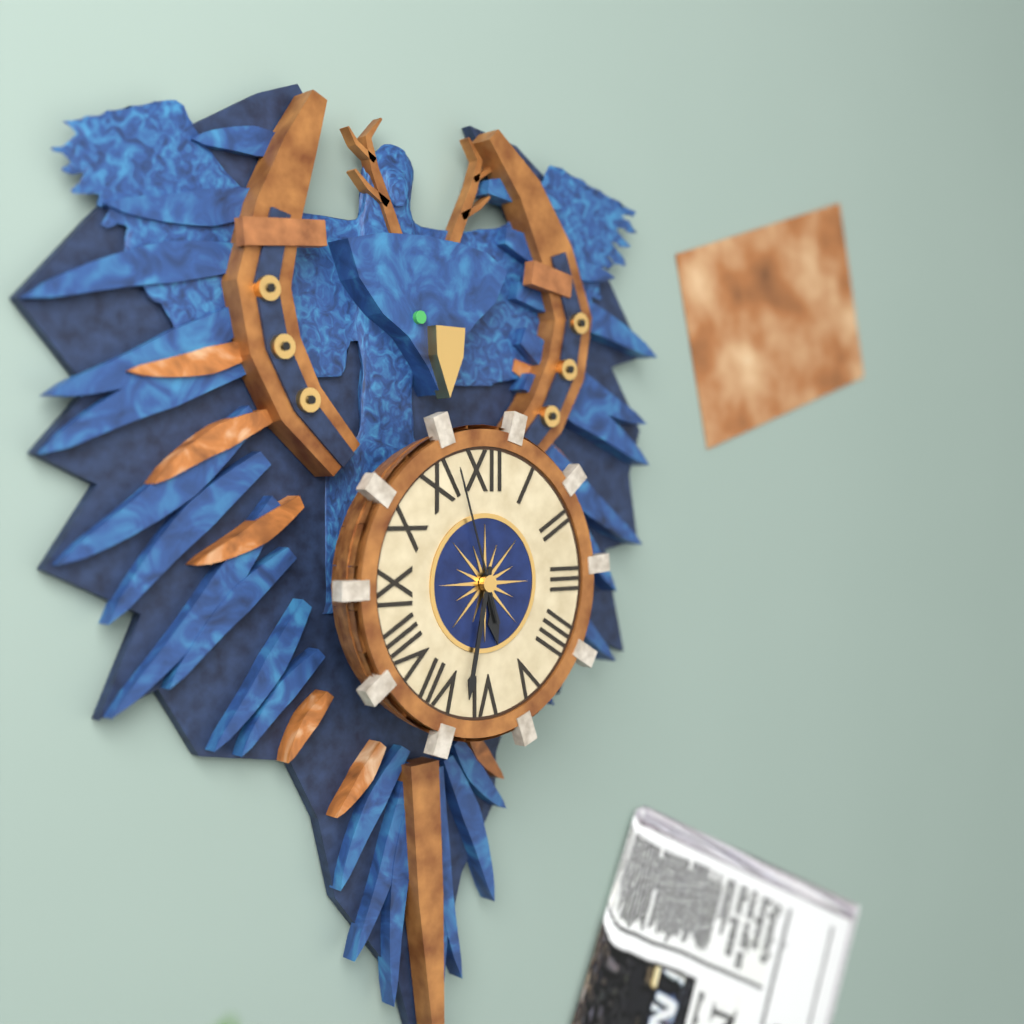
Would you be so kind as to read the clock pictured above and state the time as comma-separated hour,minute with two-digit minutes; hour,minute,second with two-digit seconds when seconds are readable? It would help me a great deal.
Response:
5,32,57
